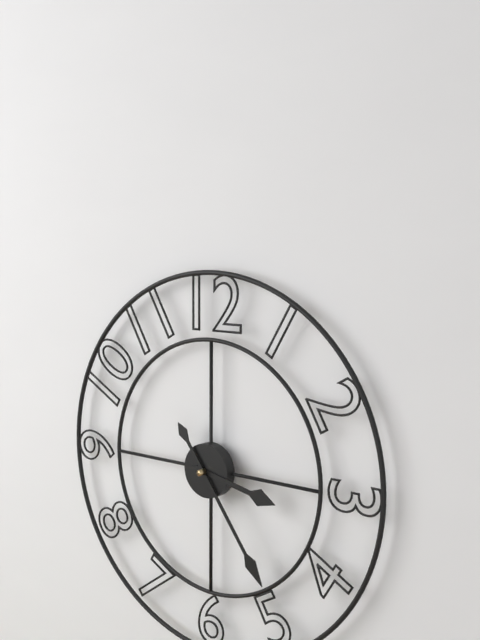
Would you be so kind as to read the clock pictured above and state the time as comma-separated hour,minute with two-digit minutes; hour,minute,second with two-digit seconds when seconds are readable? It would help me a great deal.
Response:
3,24
